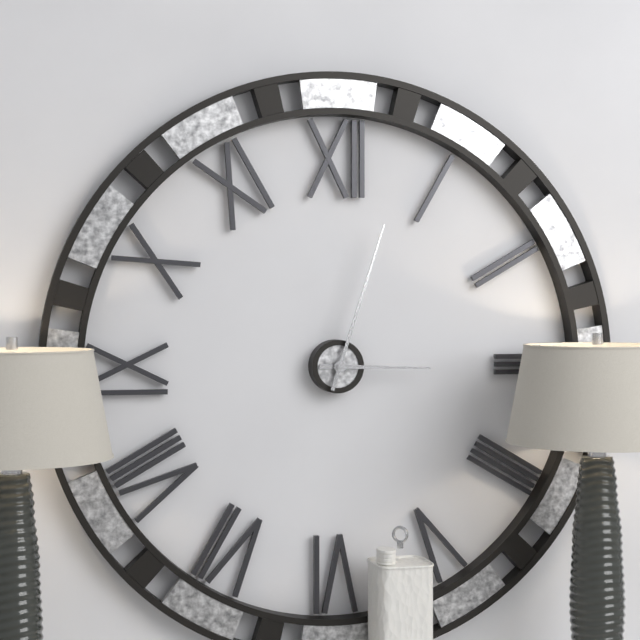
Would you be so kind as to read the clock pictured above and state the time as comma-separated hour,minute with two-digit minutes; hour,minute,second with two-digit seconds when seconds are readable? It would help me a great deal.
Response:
3,03
